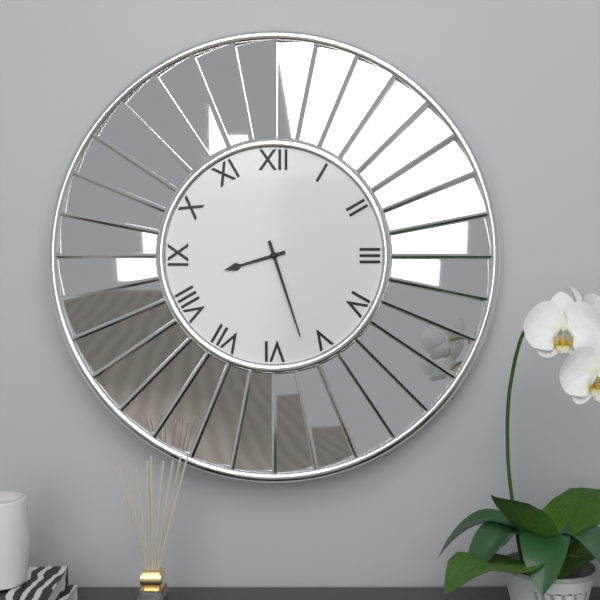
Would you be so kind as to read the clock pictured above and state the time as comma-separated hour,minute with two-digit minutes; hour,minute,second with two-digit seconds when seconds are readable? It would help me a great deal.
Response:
8,27
